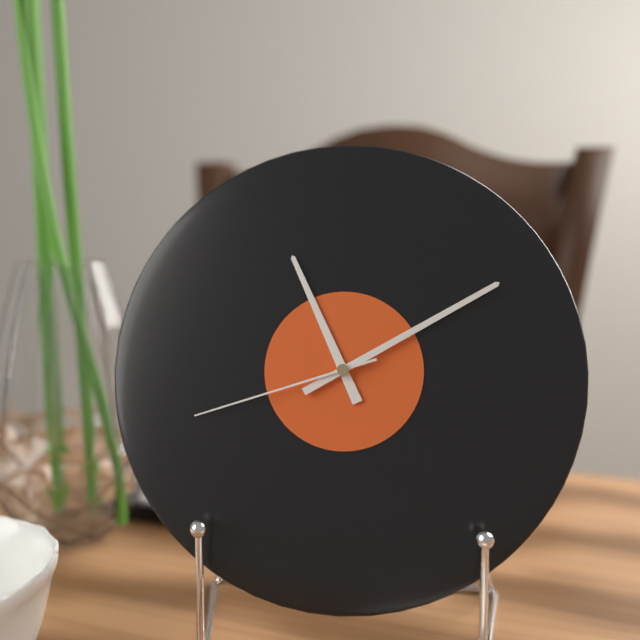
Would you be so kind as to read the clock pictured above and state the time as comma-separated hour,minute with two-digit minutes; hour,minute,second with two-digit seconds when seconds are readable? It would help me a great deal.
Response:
11,10,42
